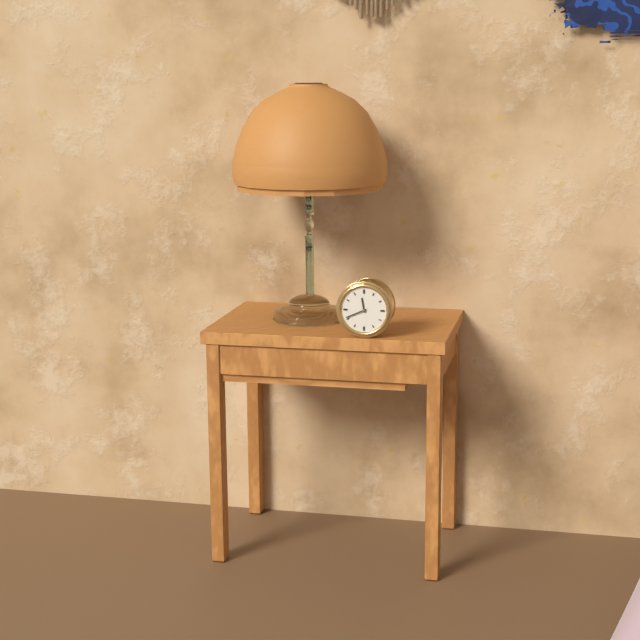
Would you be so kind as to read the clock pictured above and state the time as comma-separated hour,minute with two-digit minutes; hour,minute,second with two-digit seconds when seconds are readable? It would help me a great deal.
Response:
11,41
